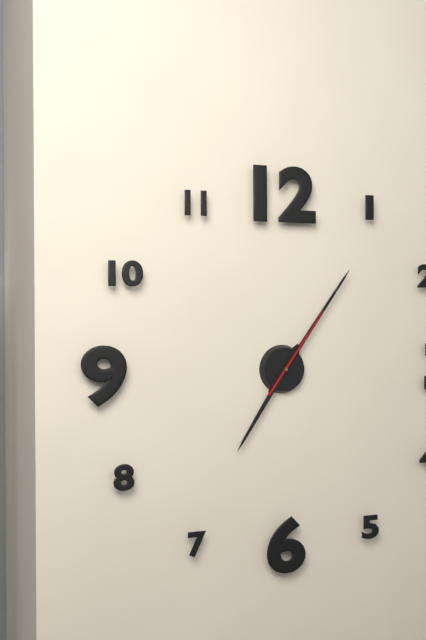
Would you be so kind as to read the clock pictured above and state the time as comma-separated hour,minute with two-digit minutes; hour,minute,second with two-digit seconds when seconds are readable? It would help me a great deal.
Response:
7,06,06
